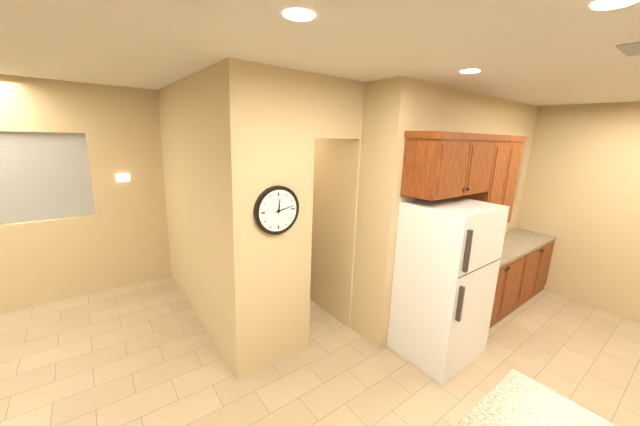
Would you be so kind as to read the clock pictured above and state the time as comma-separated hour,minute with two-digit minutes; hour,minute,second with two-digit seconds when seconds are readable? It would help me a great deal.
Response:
12,13
